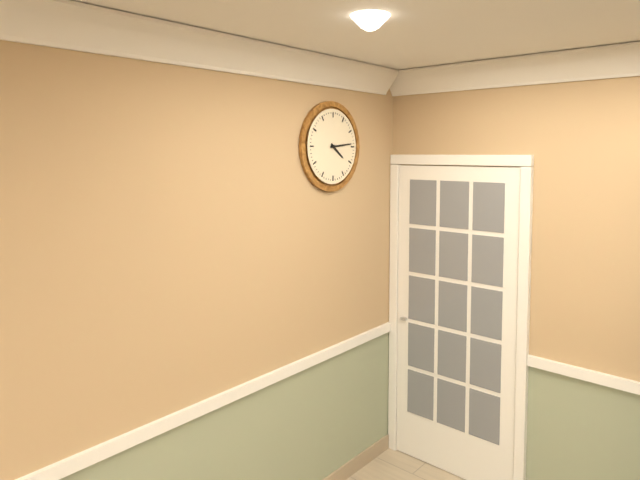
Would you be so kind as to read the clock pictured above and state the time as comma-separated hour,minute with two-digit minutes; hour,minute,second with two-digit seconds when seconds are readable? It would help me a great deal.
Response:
4,14
